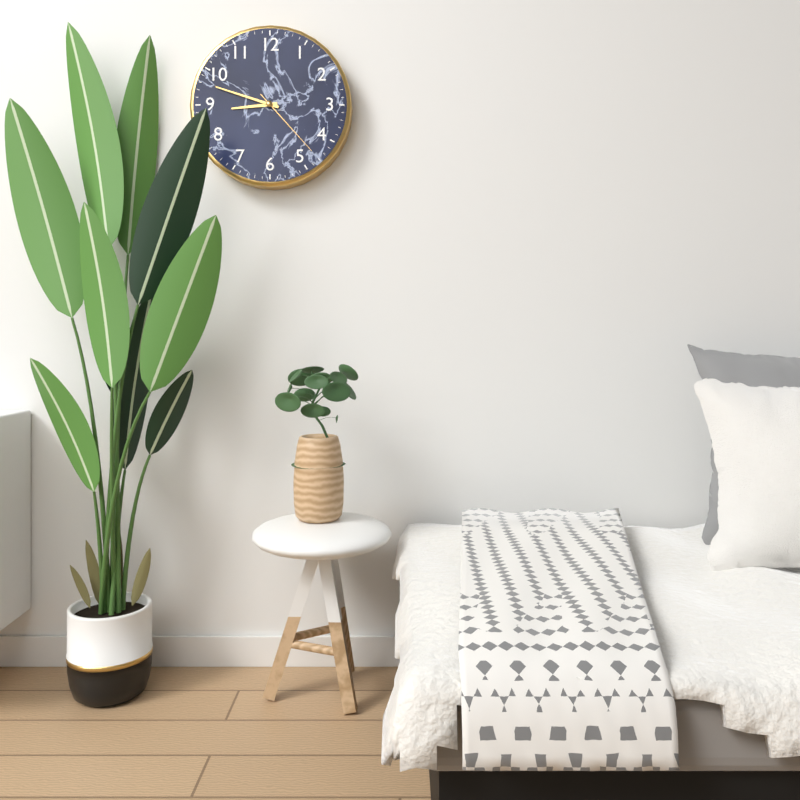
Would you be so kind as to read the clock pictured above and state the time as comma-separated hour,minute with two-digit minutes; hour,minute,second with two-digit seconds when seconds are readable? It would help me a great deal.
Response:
8,48,23
